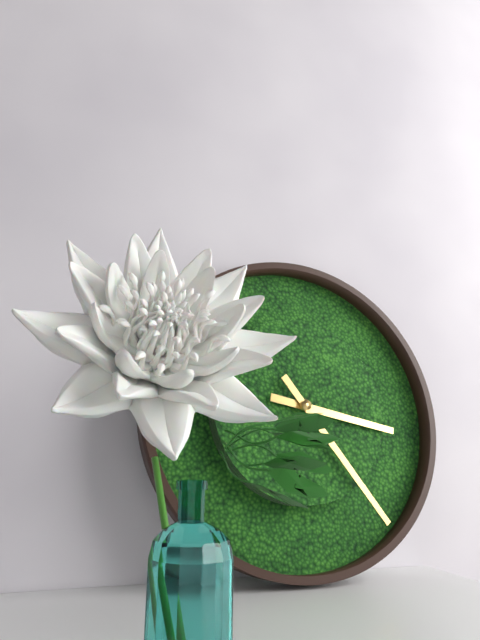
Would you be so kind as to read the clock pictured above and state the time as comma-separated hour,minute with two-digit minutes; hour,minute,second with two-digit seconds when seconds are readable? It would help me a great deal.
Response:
3,24
